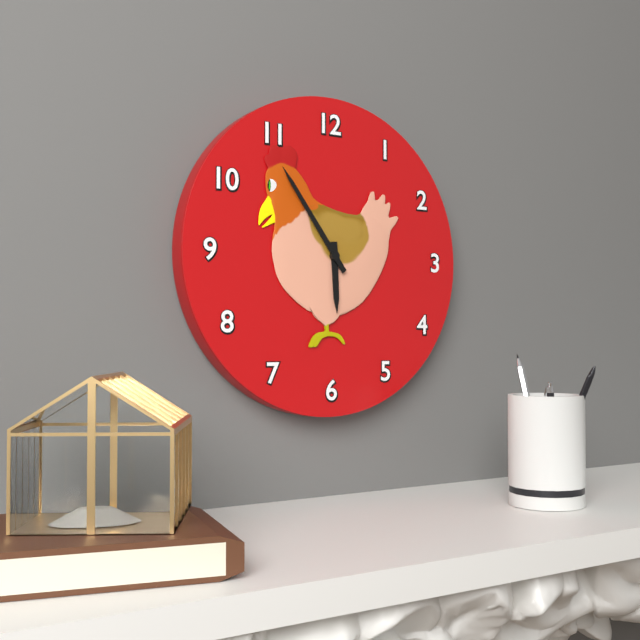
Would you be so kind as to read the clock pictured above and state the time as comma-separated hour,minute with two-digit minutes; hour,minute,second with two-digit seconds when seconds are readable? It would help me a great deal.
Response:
5,54
